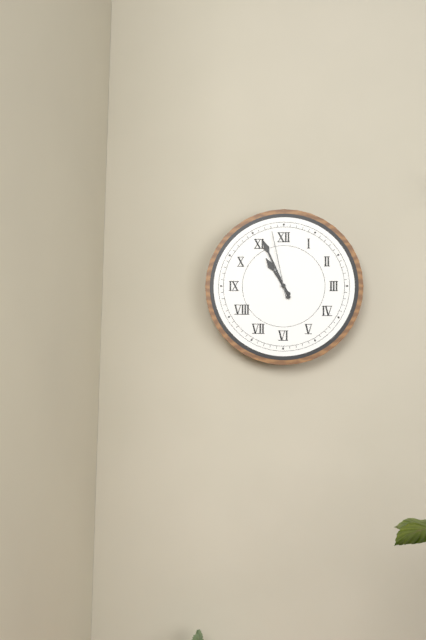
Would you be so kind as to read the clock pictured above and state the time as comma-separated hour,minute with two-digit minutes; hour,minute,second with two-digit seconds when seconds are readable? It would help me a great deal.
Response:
10,56,58
